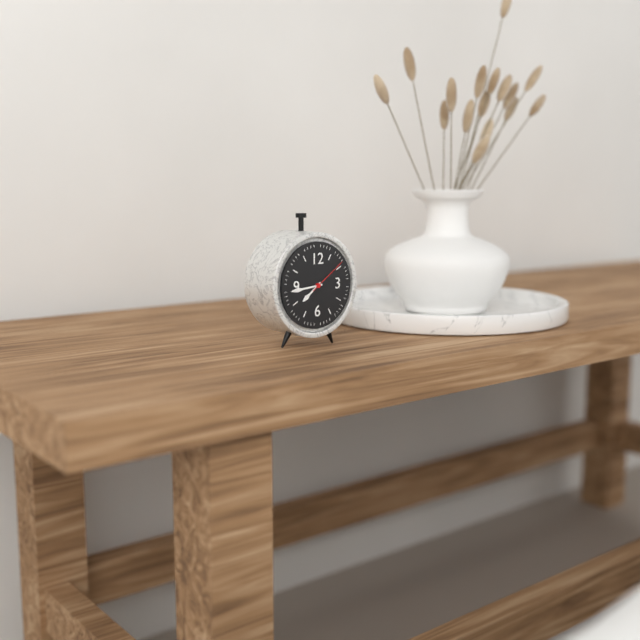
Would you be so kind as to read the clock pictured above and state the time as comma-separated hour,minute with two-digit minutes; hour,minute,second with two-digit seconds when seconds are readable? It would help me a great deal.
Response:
7,44
